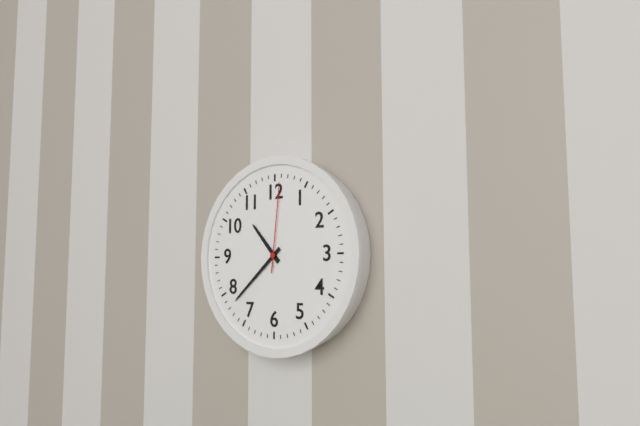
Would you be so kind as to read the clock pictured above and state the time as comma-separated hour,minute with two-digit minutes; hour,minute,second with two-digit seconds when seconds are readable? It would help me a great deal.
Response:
10,38,01
